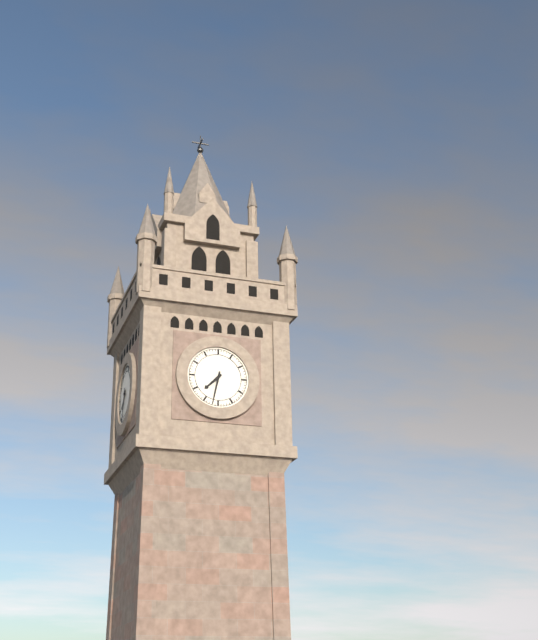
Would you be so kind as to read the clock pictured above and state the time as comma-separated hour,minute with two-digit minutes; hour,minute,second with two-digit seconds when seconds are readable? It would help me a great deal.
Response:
7,32
